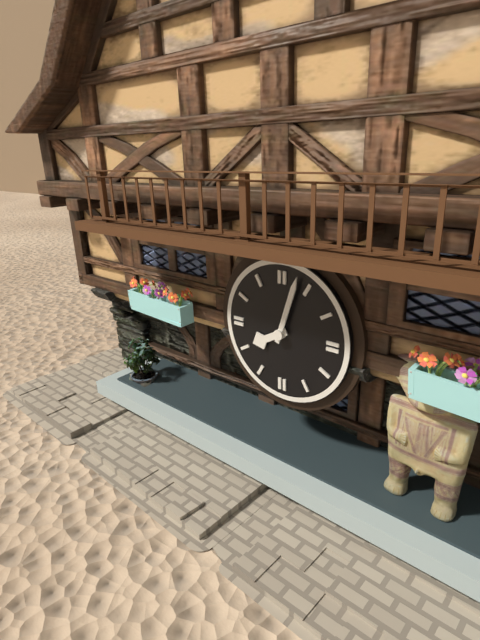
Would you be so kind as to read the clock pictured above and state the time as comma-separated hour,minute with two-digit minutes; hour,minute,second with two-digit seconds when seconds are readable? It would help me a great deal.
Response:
8,03
